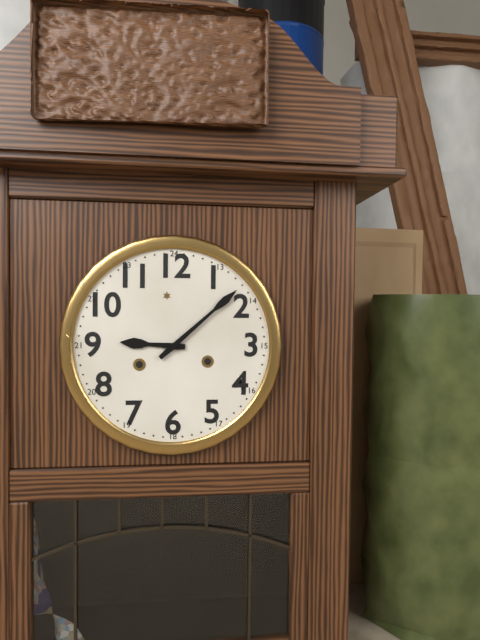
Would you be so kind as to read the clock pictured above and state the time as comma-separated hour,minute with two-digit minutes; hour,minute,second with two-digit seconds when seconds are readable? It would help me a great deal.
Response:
9,08
